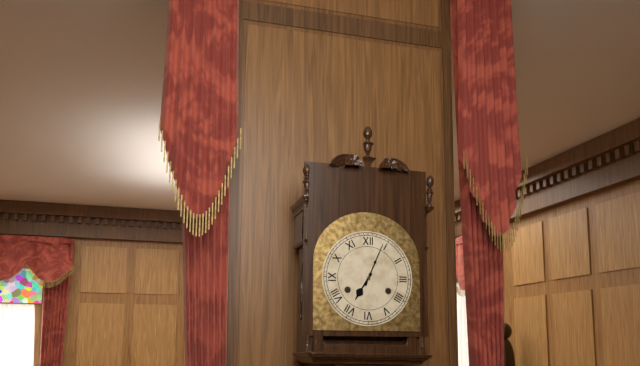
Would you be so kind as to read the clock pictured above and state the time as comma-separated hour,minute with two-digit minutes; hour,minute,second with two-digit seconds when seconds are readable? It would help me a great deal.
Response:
7,04
